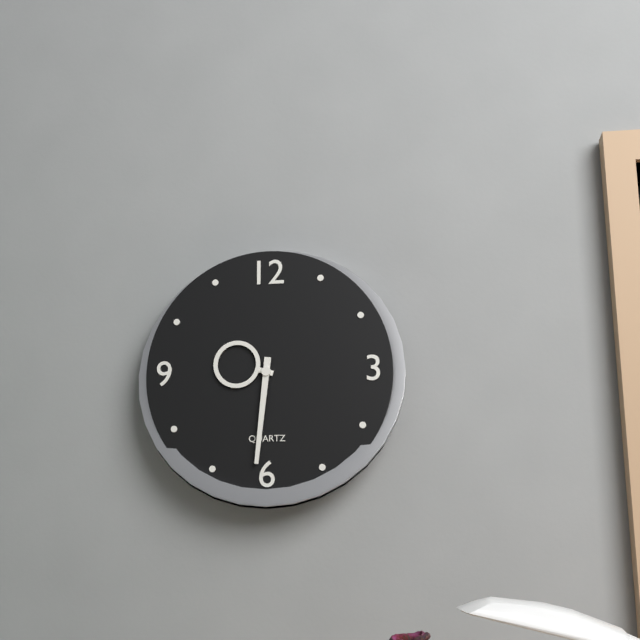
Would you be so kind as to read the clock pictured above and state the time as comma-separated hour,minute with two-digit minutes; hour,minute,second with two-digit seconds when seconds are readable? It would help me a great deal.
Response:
9,31
